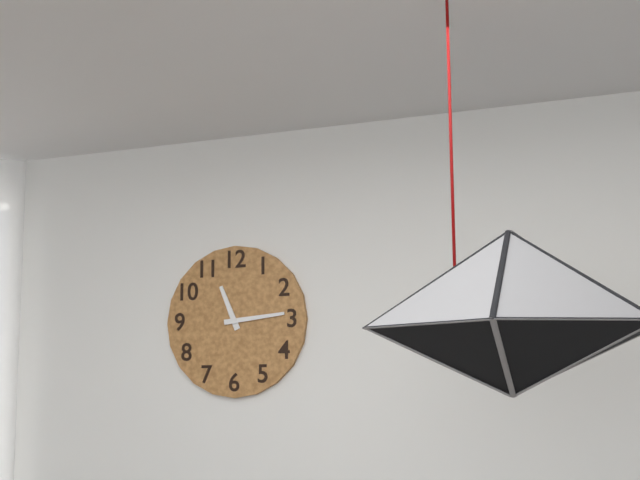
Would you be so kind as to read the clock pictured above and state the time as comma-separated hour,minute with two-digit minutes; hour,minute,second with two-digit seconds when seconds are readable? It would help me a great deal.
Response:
11,14
